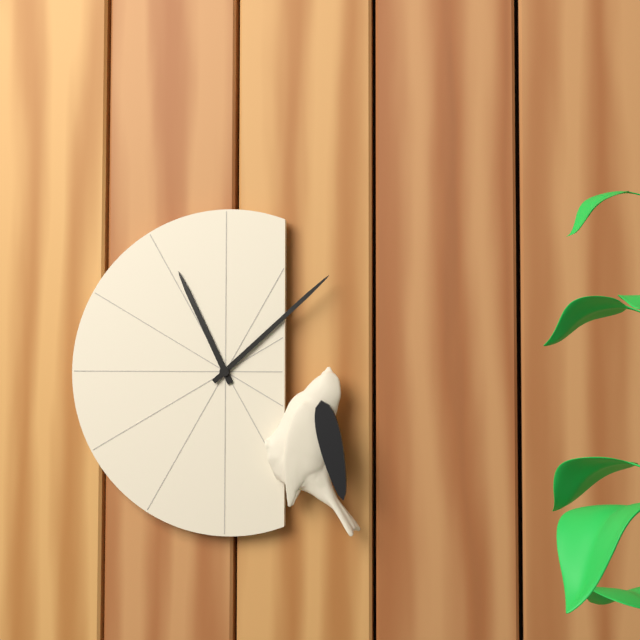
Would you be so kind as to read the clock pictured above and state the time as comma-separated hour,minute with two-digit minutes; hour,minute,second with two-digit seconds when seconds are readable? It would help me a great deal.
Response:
11,08
